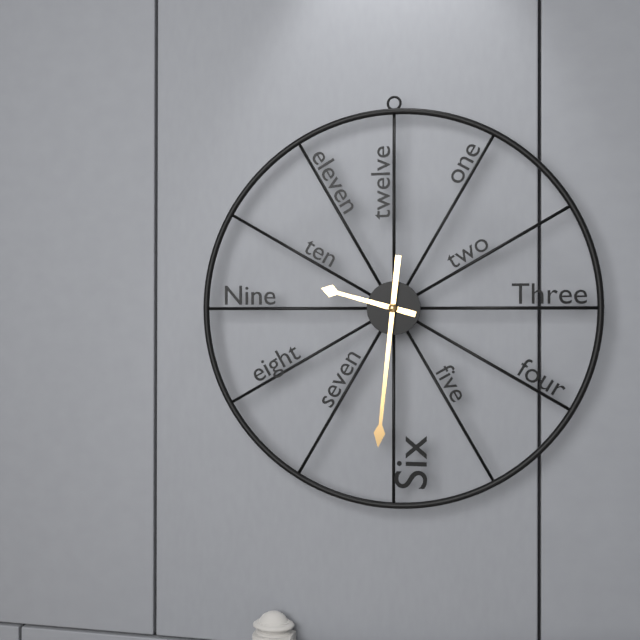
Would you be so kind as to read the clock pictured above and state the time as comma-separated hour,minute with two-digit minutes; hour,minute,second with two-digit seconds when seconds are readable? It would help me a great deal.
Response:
9,31
